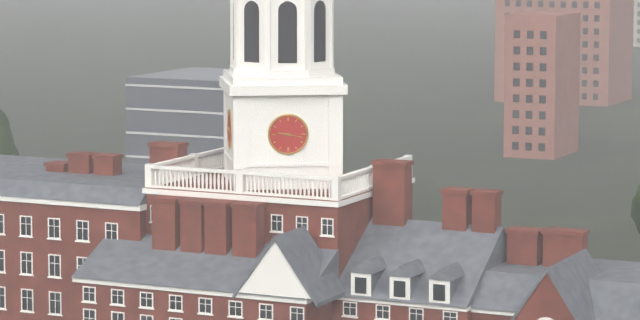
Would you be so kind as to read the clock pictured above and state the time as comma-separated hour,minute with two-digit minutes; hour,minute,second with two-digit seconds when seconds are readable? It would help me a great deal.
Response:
9,17
